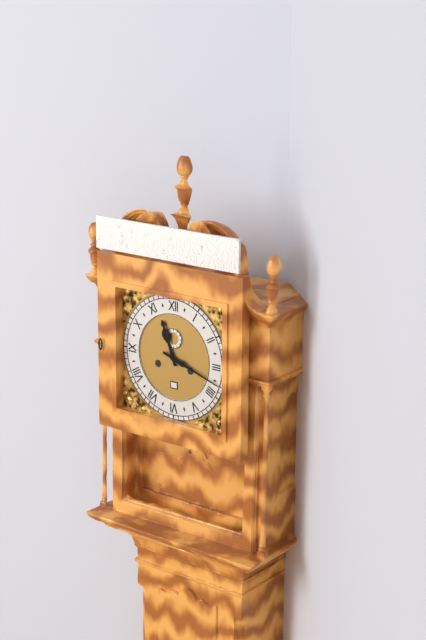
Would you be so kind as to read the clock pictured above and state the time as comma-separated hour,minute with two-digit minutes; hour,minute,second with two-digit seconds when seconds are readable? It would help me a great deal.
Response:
11,18
